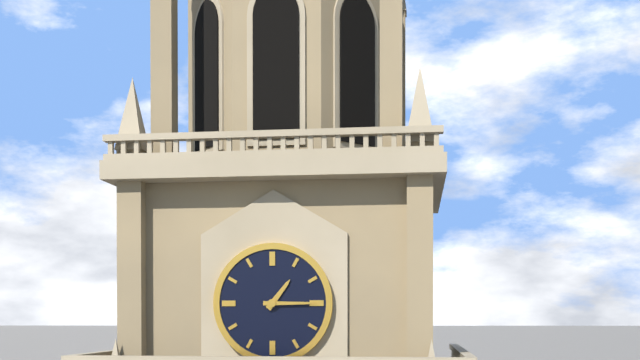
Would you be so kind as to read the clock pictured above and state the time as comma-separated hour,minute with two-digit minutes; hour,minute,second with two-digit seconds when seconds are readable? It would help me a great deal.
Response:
1,15
